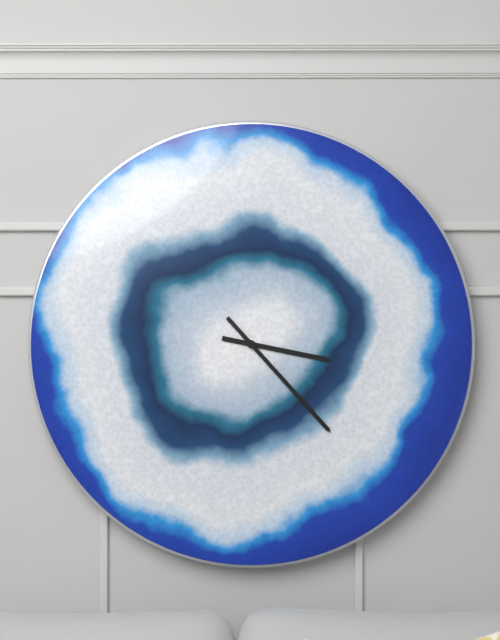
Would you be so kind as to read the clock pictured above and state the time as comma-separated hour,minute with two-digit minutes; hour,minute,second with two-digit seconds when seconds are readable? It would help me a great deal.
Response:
3,23
